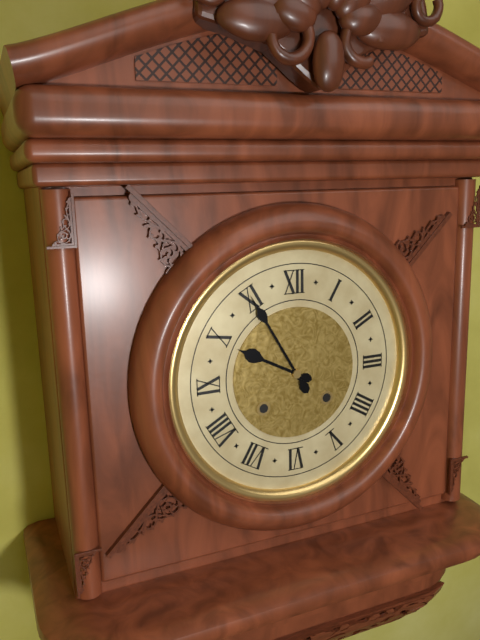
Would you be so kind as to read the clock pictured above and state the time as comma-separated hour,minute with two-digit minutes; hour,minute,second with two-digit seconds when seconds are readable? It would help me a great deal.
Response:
9,55
